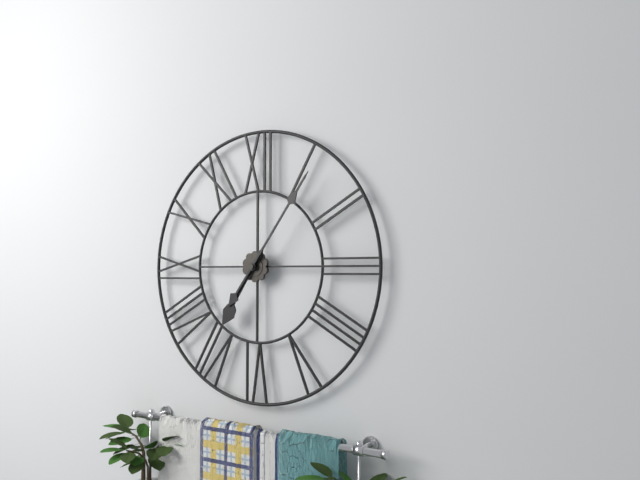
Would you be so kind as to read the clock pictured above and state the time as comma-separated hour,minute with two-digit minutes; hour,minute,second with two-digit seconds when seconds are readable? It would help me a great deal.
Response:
7,06
